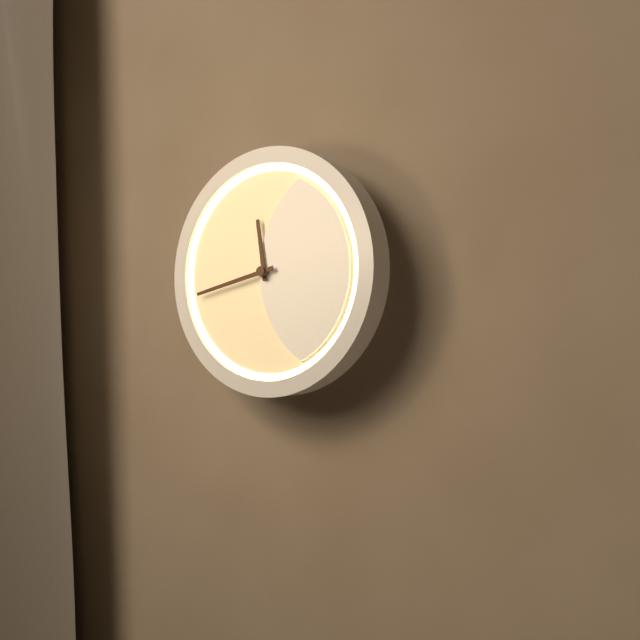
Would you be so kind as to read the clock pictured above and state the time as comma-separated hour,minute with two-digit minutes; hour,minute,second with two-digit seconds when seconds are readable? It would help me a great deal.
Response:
11,43
